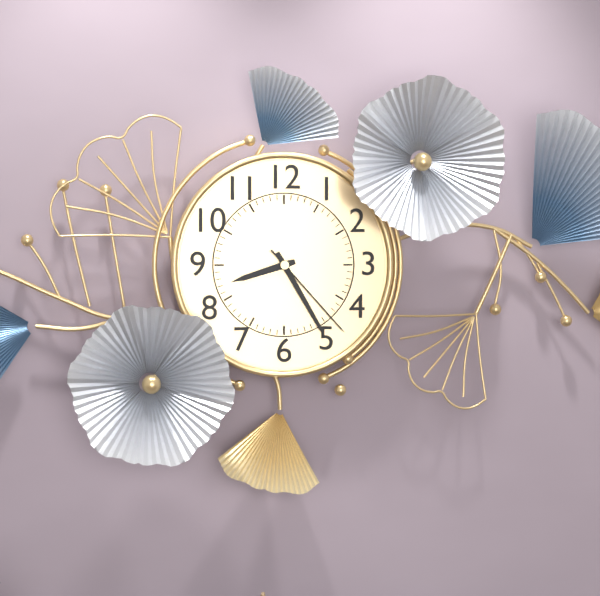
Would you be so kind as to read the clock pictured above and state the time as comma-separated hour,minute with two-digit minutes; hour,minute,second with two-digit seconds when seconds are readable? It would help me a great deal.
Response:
8,25,23
